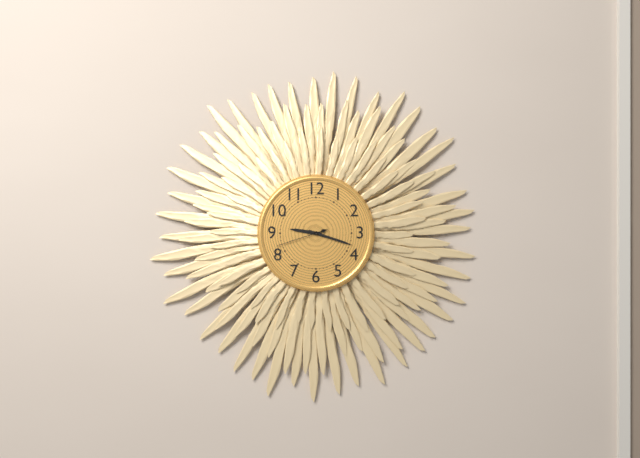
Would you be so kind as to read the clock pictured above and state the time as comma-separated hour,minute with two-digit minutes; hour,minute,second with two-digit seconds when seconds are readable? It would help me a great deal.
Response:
9,18,42
